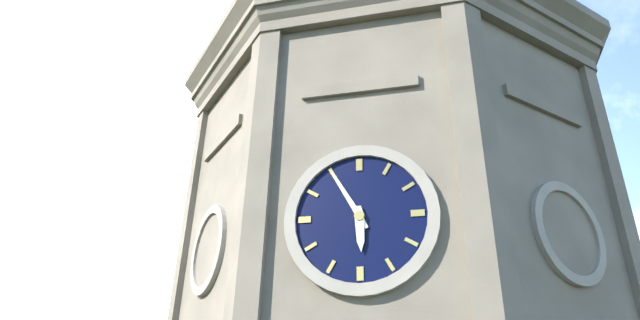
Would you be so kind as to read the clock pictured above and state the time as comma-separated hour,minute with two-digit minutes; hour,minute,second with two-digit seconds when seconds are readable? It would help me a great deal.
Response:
5,55
